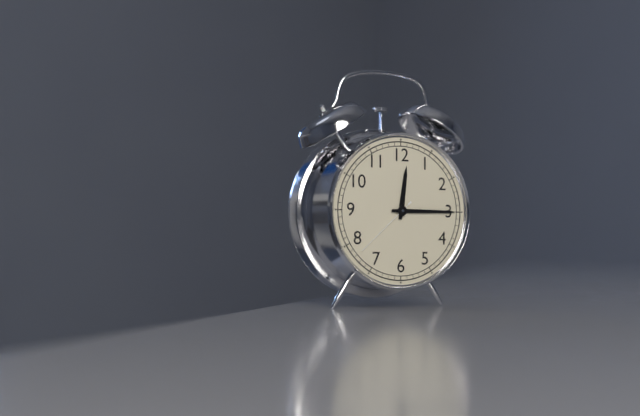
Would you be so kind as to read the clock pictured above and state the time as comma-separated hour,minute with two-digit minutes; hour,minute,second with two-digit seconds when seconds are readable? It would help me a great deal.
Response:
12,15,38
